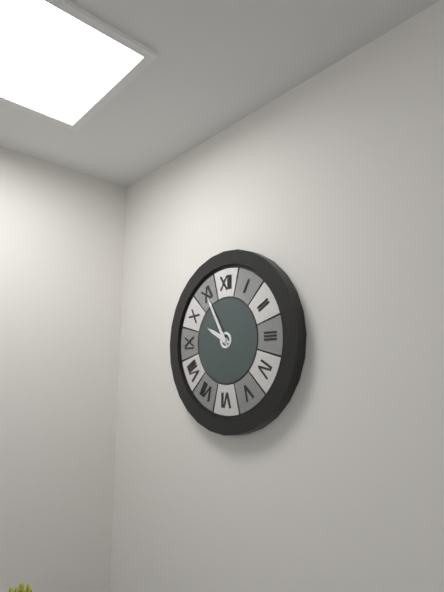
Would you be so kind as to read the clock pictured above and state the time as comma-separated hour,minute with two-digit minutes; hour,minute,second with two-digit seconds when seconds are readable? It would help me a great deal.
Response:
9,55
